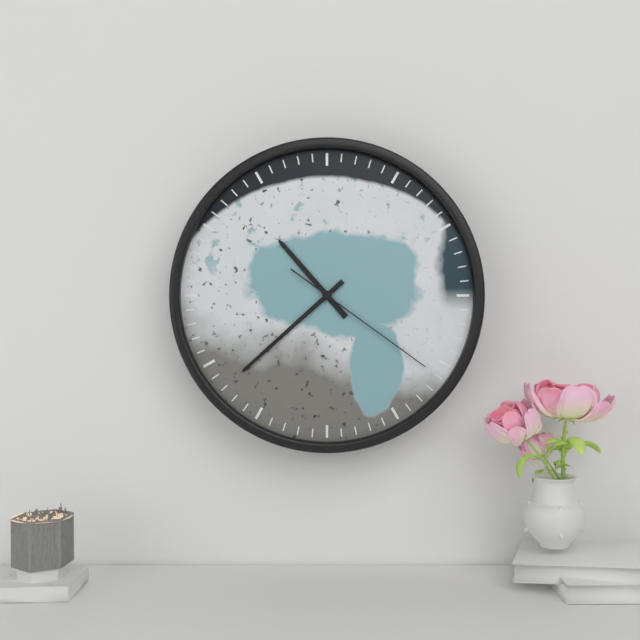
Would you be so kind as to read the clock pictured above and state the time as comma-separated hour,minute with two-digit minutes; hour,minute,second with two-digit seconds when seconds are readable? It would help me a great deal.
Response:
10,38,21
